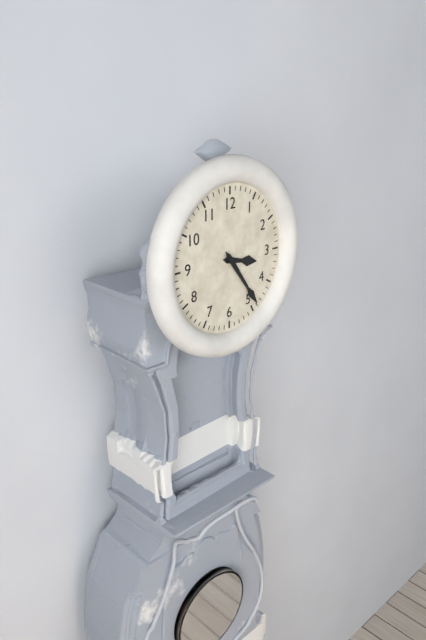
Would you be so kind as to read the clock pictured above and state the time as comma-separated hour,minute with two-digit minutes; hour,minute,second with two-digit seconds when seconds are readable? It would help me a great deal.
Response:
3,24
